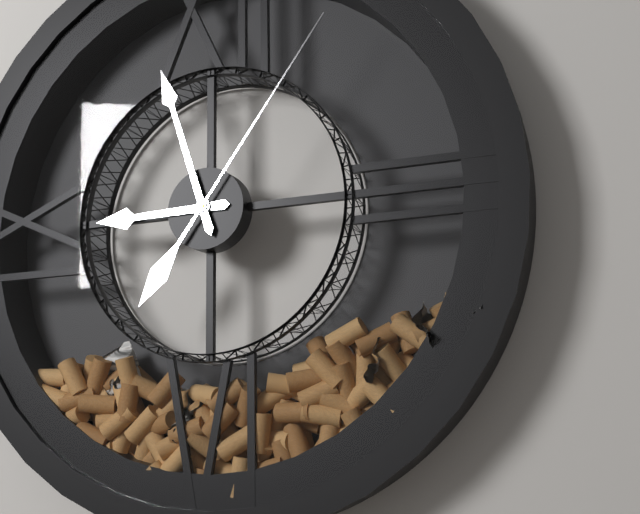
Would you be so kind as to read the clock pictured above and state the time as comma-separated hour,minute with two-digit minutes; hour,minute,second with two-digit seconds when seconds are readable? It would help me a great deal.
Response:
8,57,06
